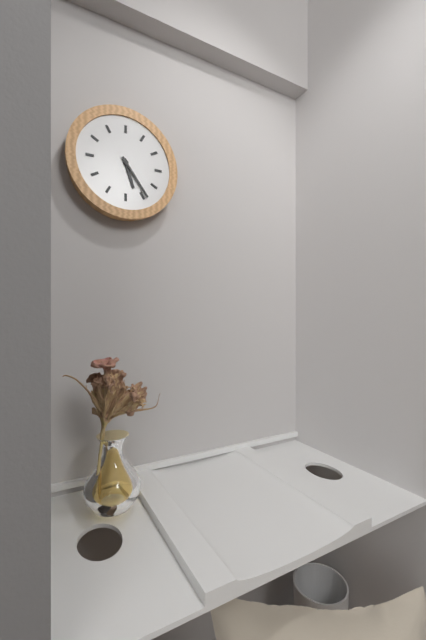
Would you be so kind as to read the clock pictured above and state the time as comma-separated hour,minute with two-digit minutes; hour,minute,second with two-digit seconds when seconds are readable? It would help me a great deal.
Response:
5,24
